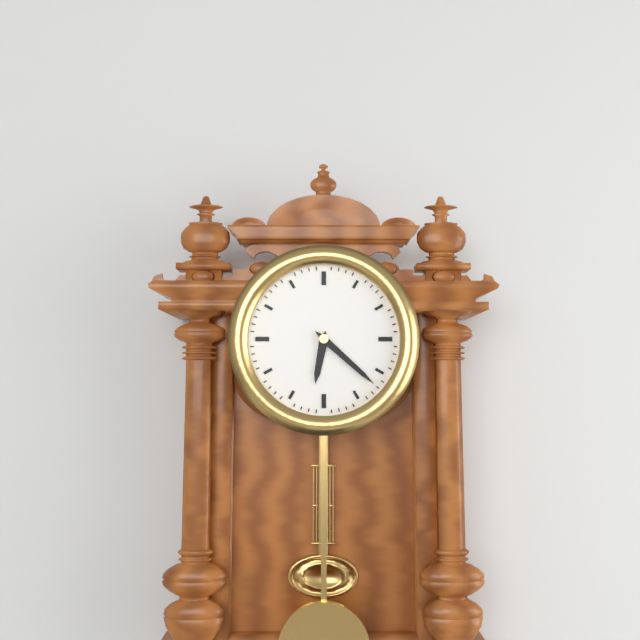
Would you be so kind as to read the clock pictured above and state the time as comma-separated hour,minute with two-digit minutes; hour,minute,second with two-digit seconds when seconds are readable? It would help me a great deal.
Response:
6,22
